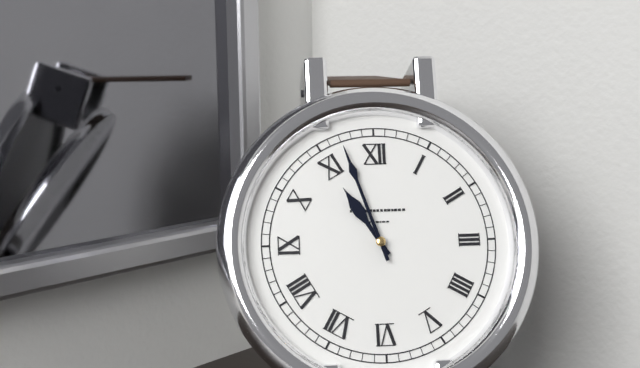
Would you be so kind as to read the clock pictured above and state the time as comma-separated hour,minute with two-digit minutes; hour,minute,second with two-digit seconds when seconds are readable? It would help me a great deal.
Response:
10,57
